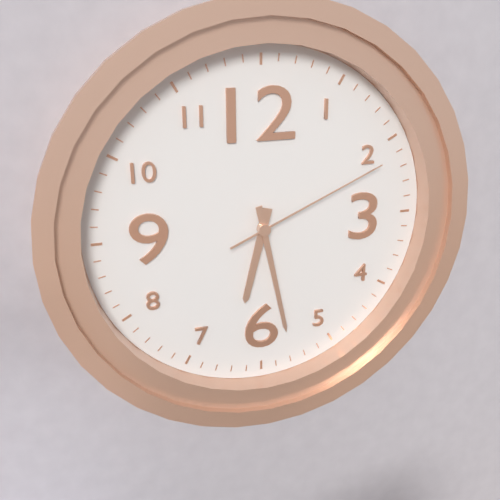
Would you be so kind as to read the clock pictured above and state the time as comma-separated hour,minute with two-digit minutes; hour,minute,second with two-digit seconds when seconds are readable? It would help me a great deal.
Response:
6,28,11
